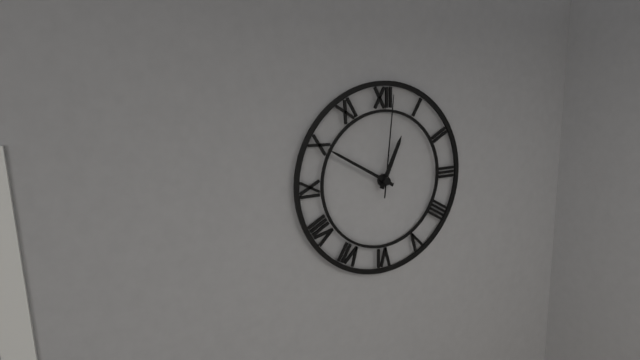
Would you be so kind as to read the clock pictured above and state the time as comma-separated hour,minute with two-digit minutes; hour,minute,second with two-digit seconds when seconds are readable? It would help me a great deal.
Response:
12,50,01
